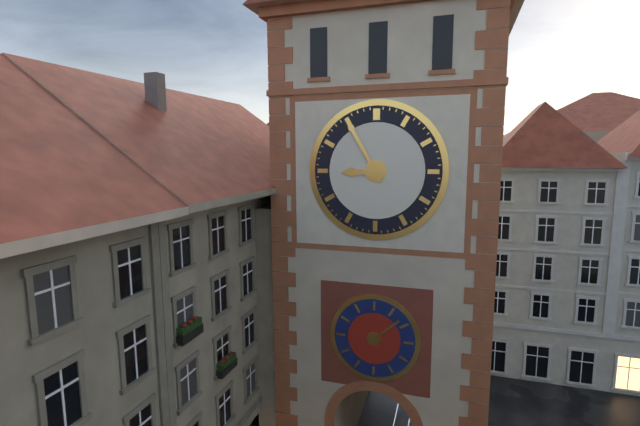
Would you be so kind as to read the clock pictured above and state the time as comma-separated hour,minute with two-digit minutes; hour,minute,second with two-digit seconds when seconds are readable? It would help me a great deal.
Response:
8,55
